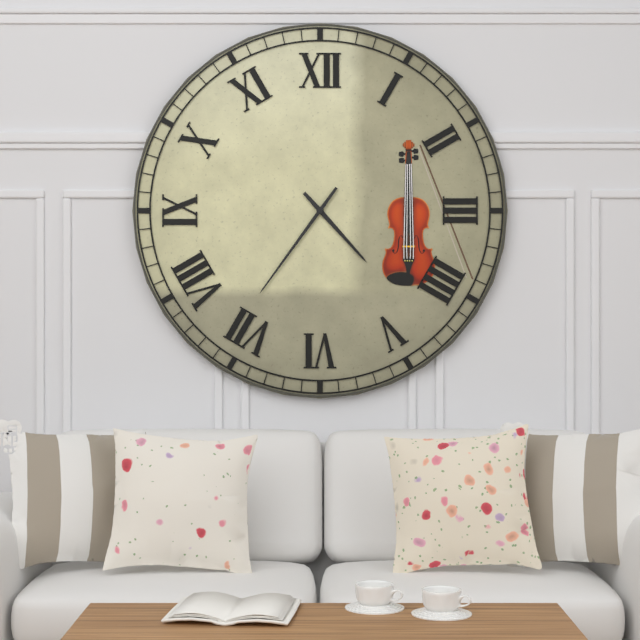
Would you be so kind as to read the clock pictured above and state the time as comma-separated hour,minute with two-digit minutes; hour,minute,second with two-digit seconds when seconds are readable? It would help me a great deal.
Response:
4,36
